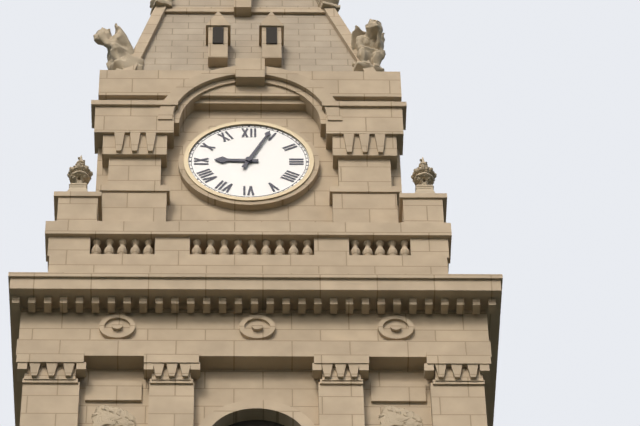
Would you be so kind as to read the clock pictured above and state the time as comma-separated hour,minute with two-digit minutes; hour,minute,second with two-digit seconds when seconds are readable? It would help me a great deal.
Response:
9,04
